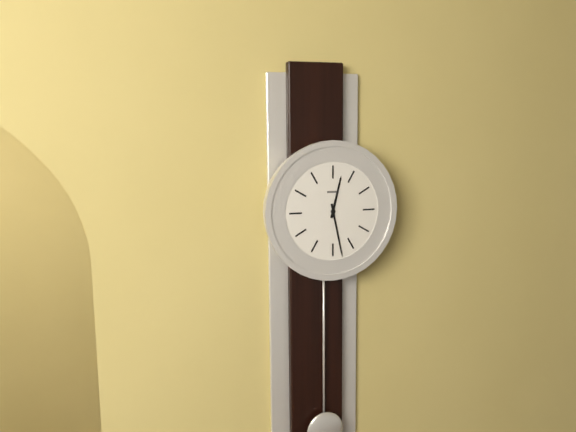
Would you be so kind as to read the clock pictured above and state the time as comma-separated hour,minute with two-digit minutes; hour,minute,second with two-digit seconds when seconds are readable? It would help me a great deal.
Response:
12,28
